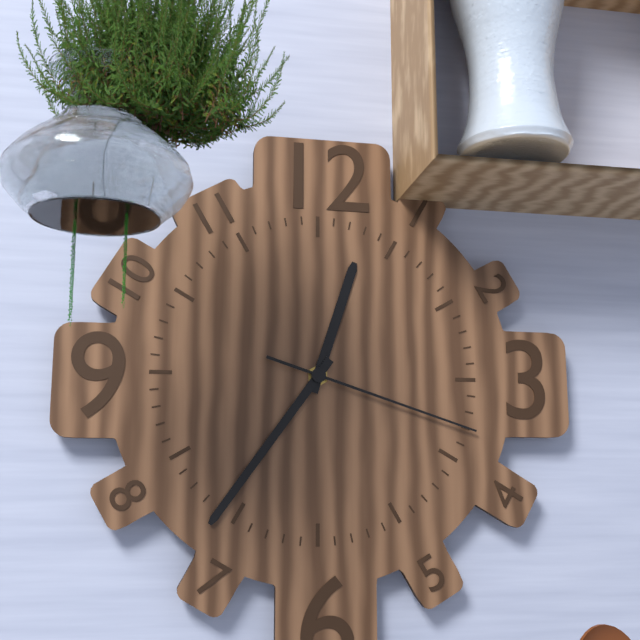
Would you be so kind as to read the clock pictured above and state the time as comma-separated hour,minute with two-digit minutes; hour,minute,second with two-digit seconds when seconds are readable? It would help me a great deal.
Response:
12,36,18
